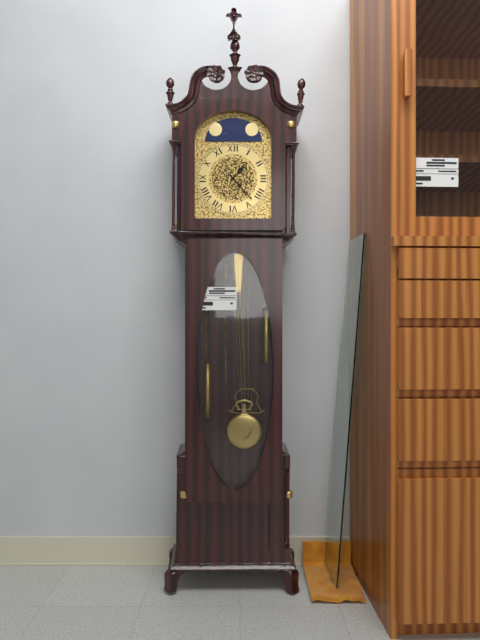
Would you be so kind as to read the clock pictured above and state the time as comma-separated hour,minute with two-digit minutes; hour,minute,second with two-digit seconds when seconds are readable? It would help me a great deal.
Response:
1,23
